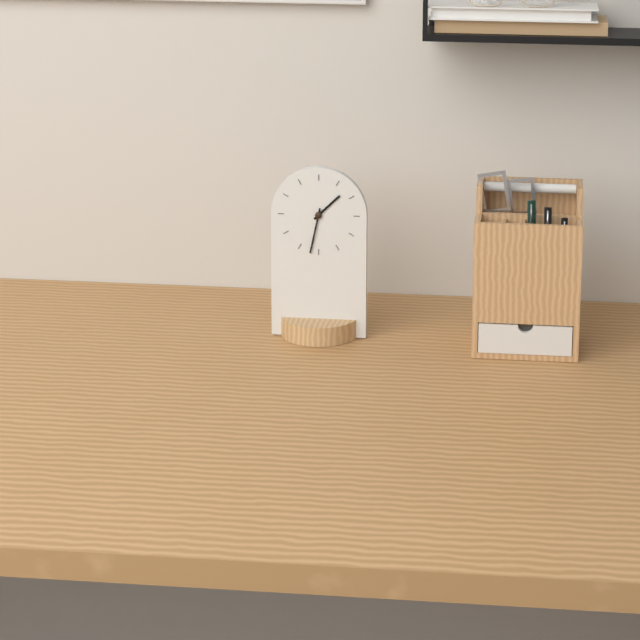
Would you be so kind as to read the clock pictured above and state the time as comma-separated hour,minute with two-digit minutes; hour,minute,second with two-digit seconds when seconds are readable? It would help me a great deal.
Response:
1,32
